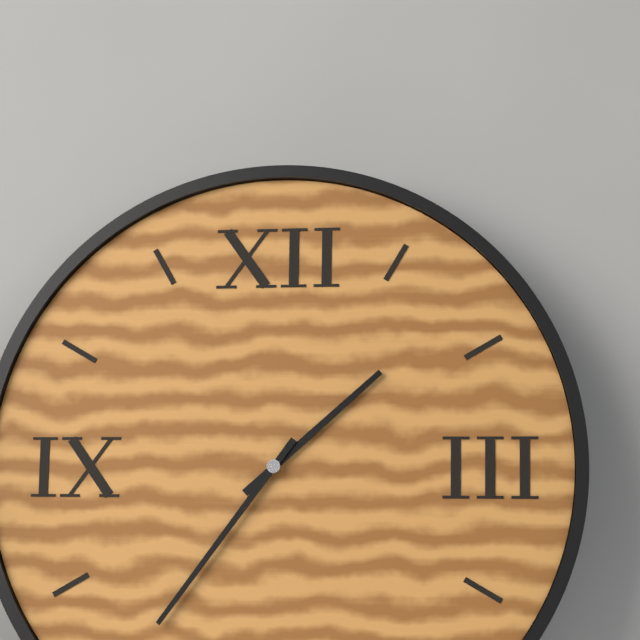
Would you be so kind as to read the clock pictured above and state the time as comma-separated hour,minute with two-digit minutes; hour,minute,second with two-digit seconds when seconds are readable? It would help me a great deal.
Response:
1,36
